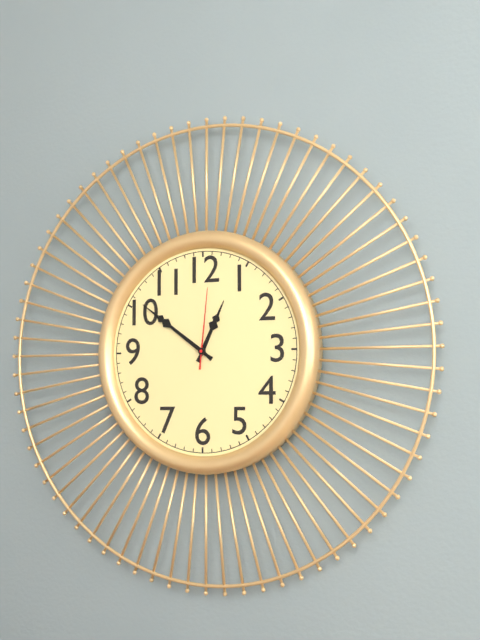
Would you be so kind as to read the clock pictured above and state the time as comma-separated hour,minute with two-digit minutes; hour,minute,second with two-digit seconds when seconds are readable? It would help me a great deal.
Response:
12,51,01
